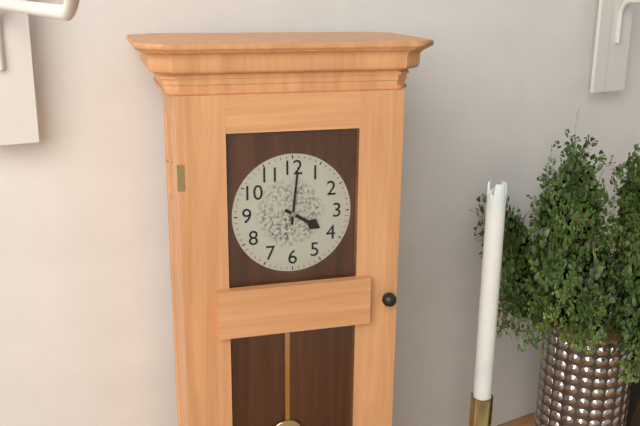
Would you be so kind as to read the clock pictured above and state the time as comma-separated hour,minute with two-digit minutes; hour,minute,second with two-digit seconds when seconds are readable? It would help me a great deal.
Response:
4,01
